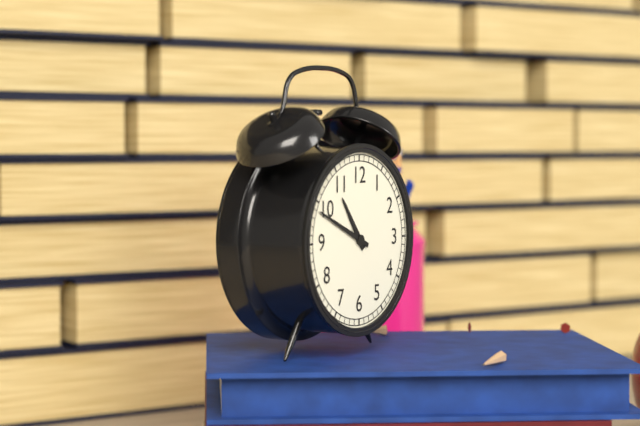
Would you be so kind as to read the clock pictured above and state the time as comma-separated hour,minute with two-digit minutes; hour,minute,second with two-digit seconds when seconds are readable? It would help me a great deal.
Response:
10,49
